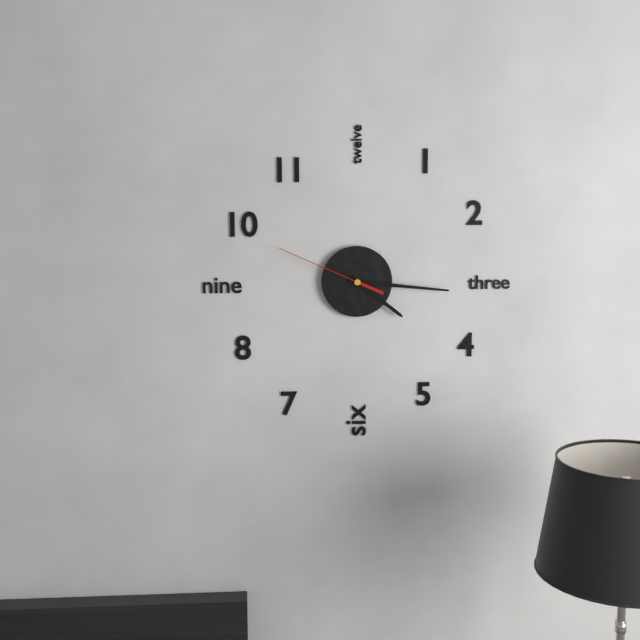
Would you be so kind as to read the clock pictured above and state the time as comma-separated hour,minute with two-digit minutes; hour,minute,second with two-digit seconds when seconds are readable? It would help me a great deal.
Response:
4,16,49
